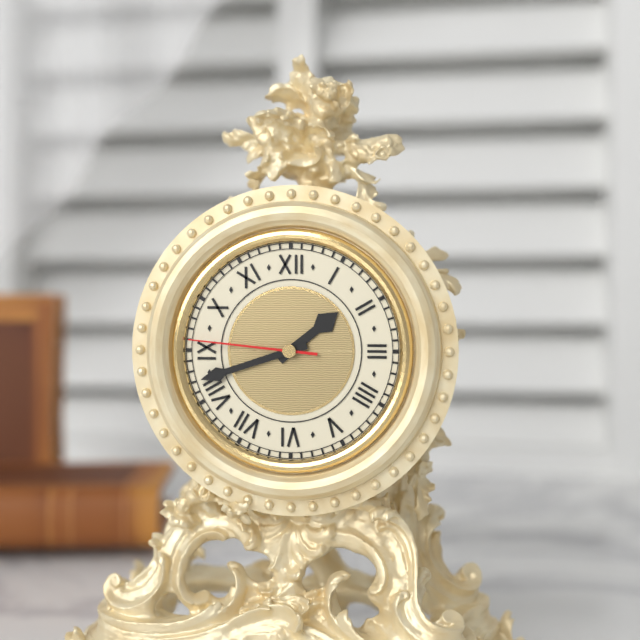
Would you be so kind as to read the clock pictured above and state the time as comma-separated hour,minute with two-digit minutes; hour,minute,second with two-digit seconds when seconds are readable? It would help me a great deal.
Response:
1,42,46
